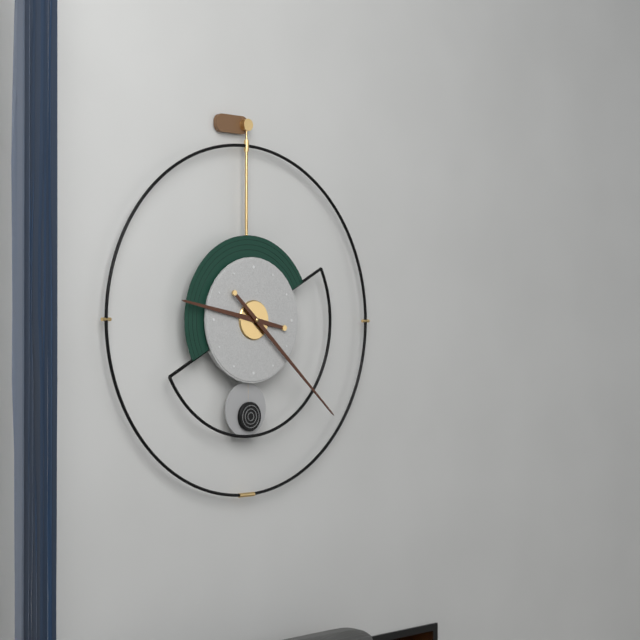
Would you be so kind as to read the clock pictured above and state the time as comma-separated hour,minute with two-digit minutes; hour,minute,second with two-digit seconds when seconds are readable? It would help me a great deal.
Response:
9,22
